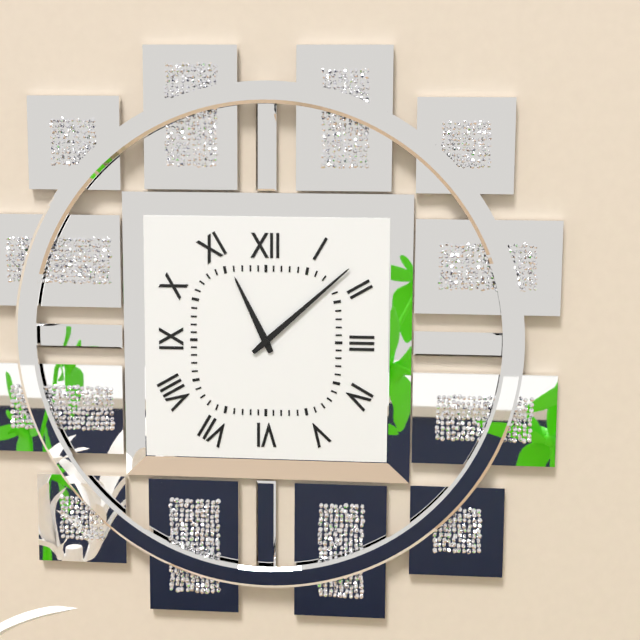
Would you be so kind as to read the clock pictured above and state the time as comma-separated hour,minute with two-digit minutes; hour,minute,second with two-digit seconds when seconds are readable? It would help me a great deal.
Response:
11,08
